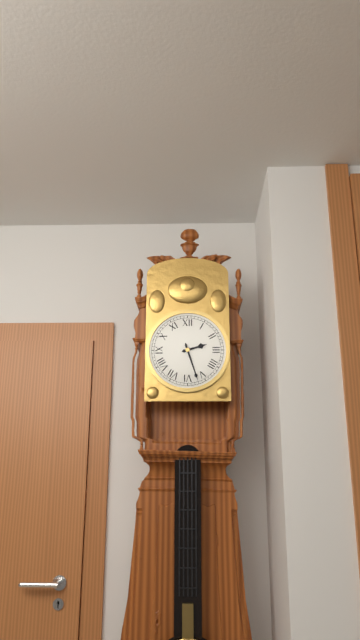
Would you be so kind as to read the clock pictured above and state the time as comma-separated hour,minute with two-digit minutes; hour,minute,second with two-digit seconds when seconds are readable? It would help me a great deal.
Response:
2,27
